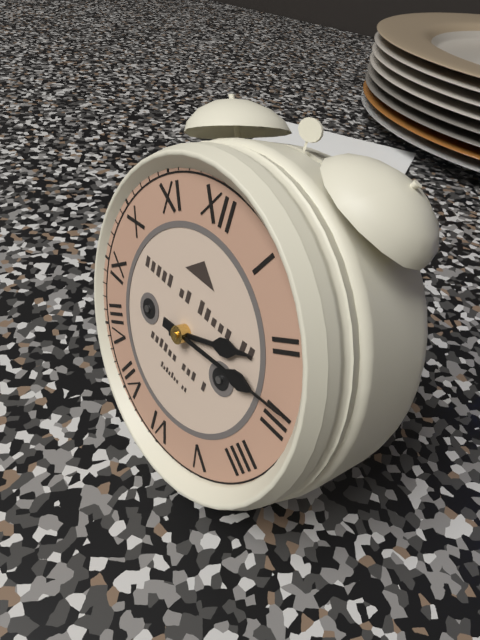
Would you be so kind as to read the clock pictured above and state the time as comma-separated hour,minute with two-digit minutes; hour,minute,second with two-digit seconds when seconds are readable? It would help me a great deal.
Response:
2,14
